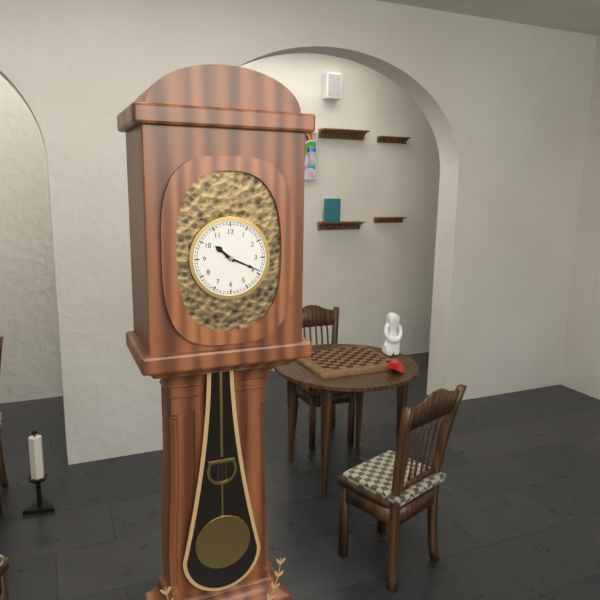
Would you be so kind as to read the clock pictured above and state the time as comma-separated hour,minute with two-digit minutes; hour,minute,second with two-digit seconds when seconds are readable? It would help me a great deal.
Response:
10,19
